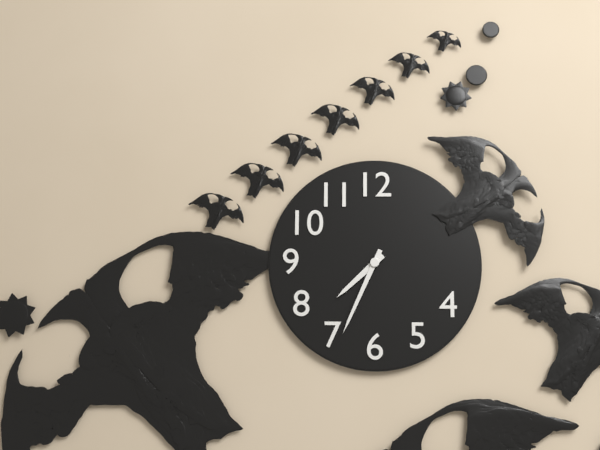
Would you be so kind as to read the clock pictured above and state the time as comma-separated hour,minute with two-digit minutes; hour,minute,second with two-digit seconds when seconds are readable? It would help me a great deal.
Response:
7,34
